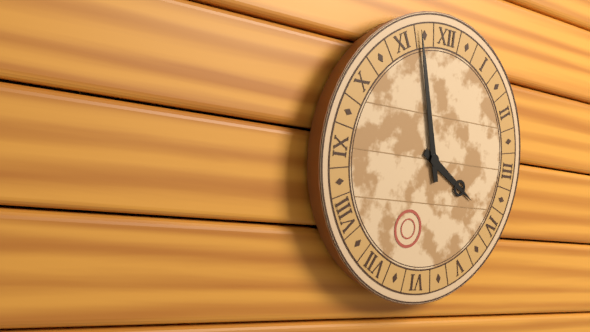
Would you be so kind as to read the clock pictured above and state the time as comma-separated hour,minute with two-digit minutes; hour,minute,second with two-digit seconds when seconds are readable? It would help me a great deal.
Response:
3,57
